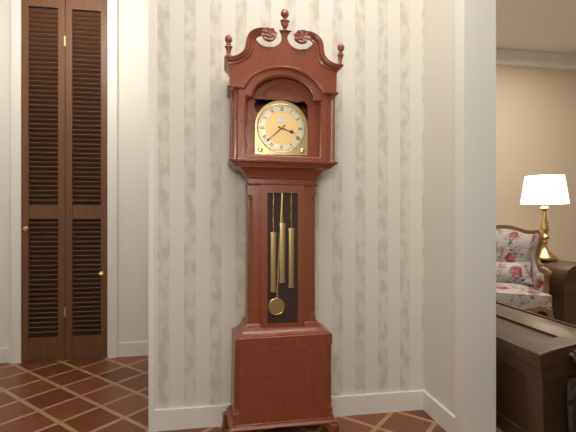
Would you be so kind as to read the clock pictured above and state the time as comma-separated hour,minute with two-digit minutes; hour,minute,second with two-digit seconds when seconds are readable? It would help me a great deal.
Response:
3,38
